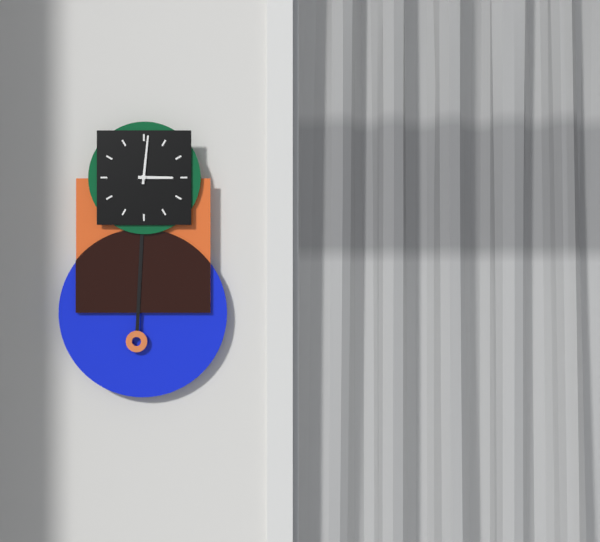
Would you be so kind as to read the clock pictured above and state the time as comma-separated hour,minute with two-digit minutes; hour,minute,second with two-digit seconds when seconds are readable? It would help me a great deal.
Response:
3,01
